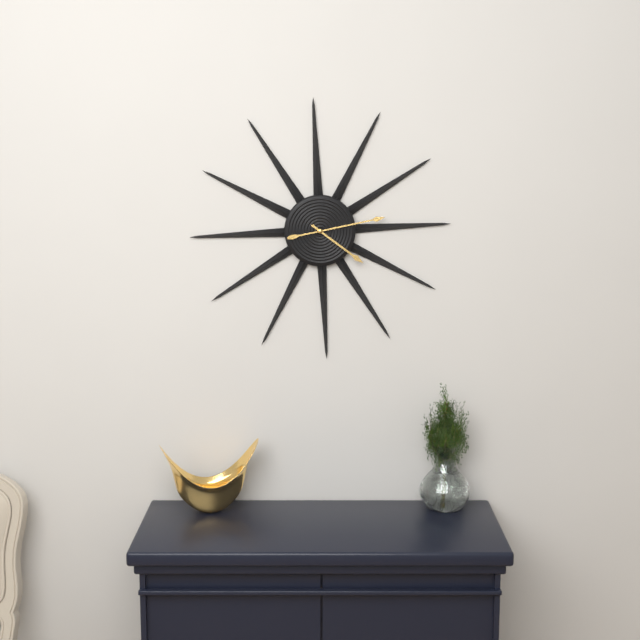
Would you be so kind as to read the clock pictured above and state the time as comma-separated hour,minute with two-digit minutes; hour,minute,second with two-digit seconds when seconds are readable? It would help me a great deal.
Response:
4,13
